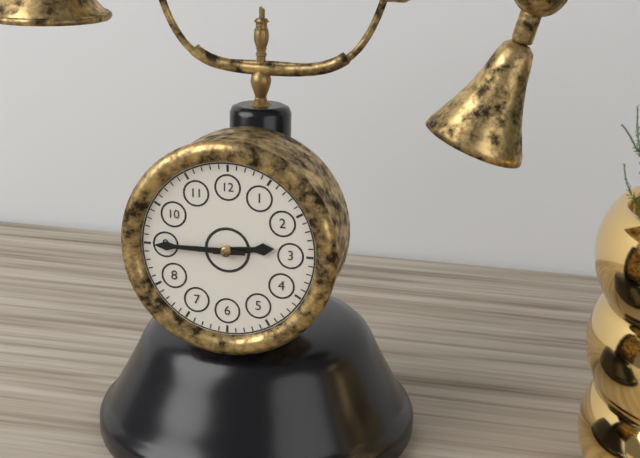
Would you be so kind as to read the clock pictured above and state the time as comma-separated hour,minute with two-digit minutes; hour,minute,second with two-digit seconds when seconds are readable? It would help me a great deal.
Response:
2,45
